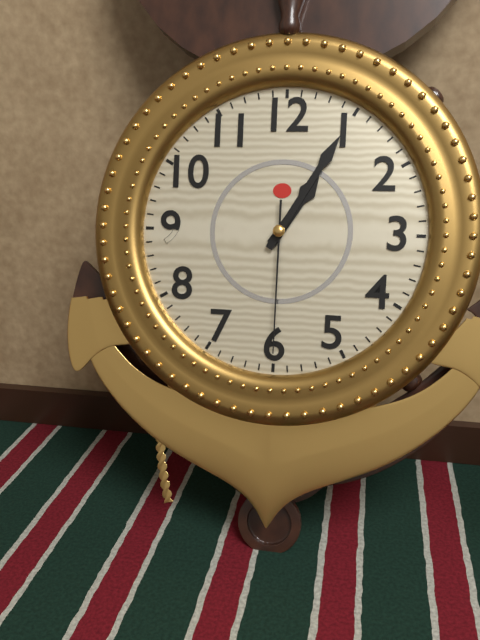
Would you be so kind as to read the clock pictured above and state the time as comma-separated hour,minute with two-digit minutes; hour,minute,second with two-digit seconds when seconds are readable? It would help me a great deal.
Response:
1,05,30
